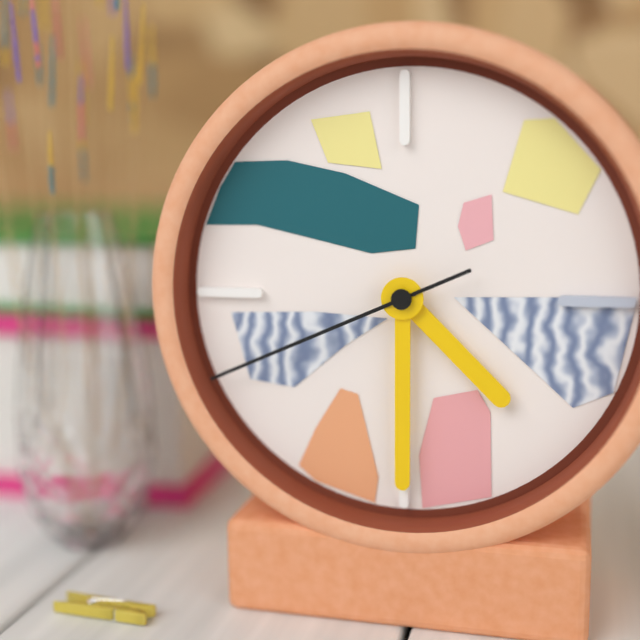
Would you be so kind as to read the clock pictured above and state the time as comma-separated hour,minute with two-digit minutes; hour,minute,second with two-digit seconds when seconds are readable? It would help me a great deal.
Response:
4,30,41
